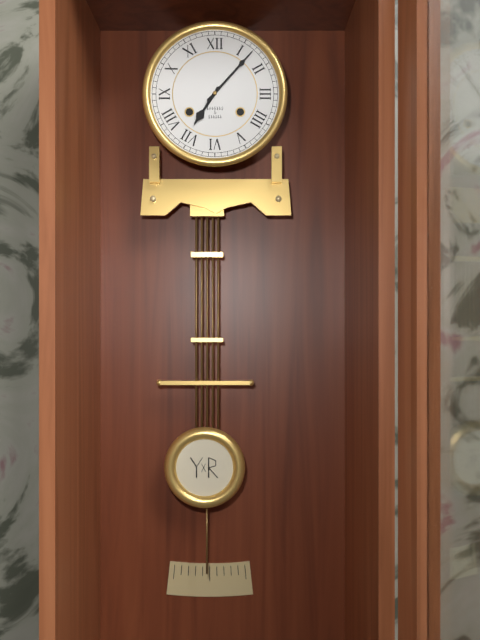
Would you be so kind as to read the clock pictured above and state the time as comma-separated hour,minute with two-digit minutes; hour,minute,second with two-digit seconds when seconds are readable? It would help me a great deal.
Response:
7,07
